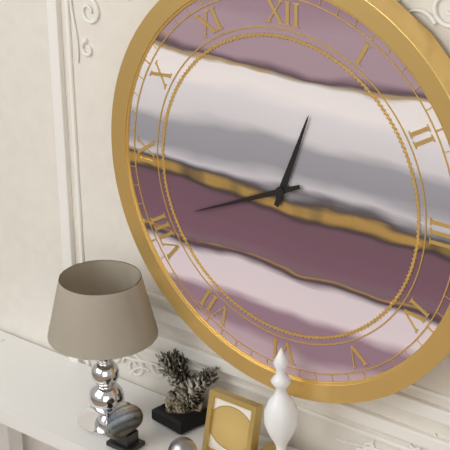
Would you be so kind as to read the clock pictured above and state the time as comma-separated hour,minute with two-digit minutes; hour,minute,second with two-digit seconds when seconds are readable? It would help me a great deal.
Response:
12,41
